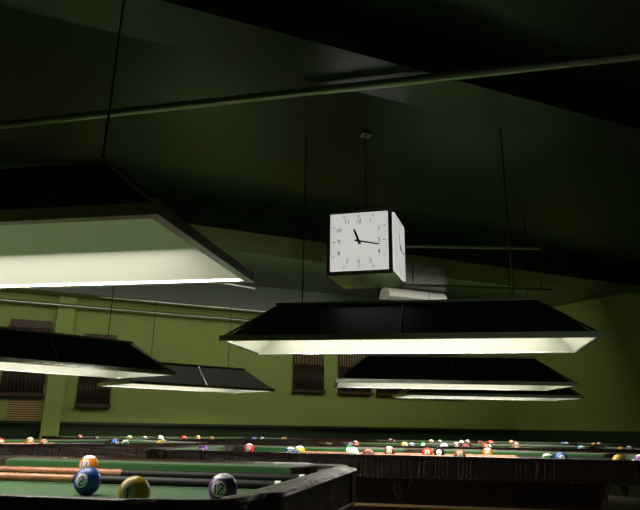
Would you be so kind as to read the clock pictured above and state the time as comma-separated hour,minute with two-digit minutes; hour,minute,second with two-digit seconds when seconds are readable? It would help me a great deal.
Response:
11,17
